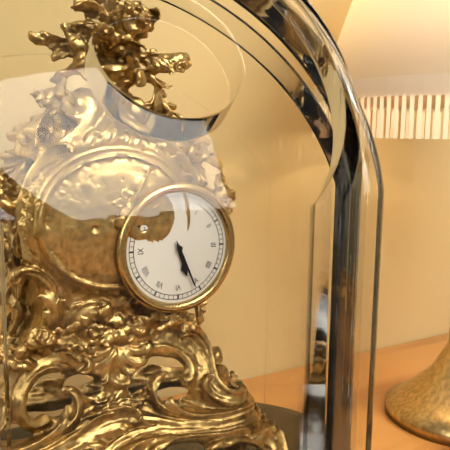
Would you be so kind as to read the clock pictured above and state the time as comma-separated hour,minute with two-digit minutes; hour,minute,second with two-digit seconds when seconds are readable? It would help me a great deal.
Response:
5,26
